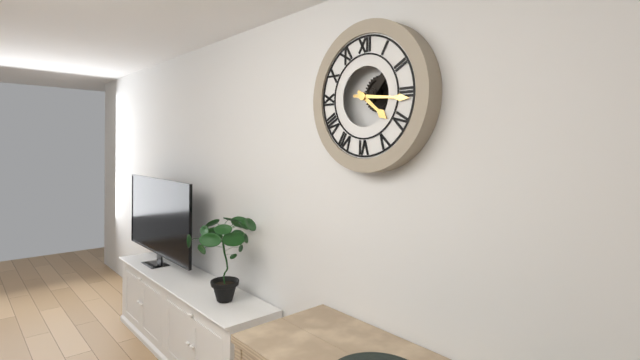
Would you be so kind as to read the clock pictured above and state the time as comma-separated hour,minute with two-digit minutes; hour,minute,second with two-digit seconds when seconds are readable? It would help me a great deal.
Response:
4,16
